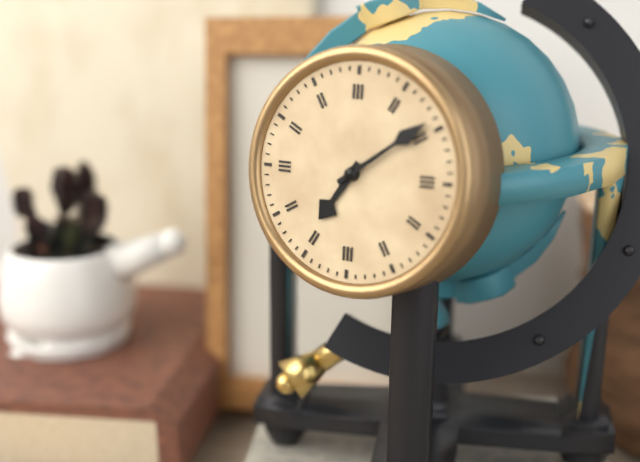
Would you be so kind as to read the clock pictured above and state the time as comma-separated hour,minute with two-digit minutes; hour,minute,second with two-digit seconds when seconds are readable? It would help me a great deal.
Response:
7,09
